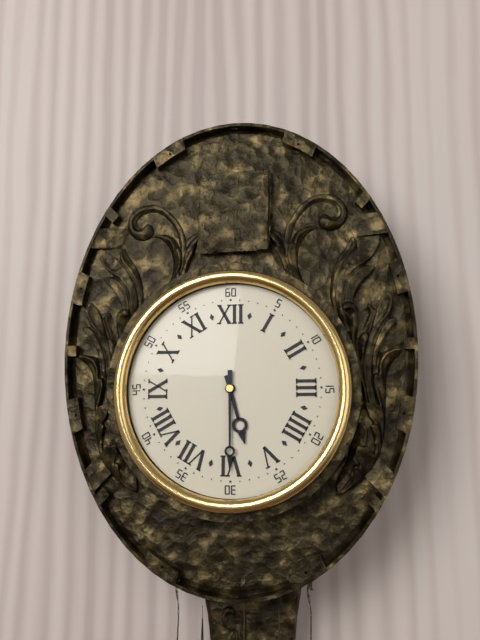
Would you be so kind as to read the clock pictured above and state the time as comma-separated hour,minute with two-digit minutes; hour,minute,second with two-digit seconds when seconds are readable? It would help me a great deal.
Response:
5,30
